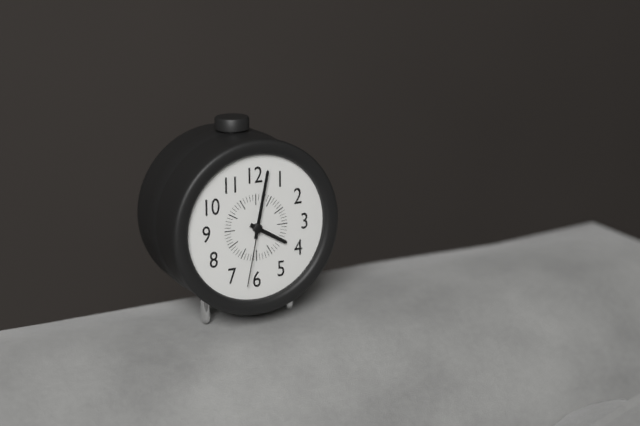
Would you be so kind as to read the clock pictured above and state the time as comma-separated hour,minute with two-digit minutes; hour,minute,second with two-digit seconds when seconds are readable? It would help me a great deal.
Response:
4,02,32
